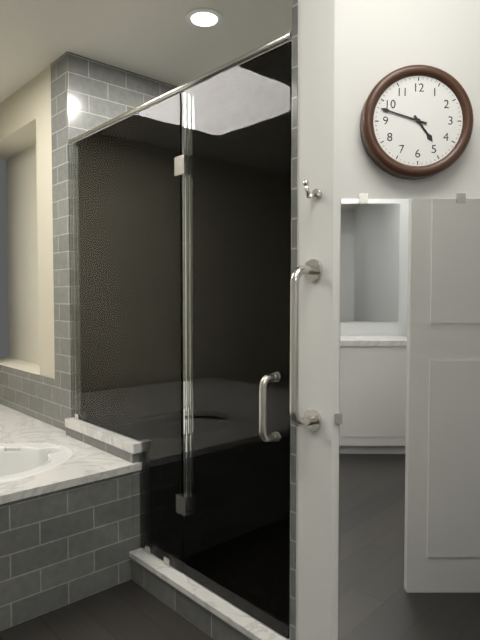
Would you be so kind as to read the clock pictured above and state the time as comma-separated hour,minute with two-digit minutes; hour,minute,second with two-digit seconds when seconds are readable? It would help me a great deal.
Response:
4,48
